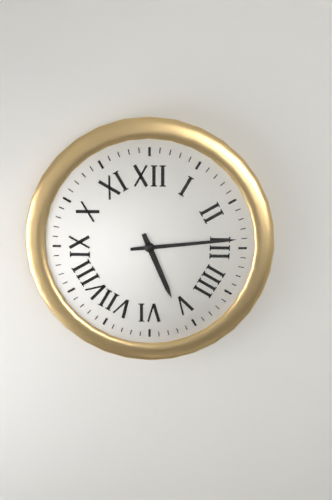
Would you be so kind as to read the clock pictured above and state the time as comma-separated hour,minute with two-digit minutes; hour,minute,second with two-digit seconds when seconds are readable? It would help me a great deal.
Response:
5,14
